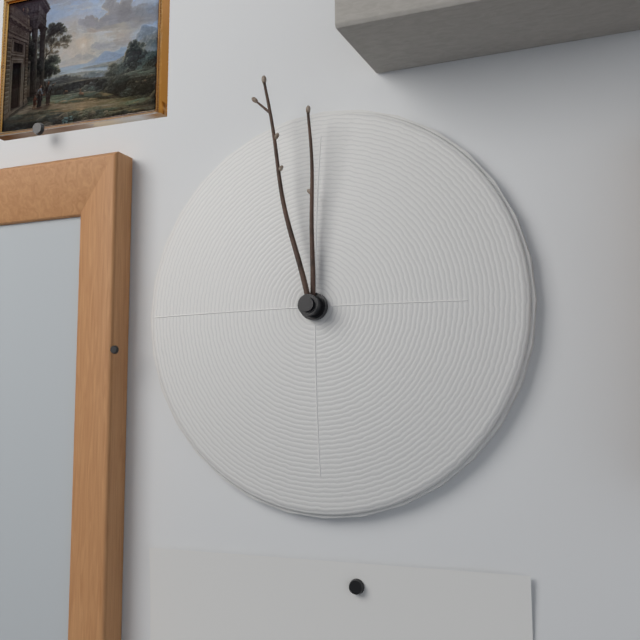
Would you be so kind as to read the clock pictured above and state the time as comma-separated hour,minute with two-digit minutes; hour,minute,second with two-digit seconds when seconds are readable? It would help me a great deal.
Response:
11,58
